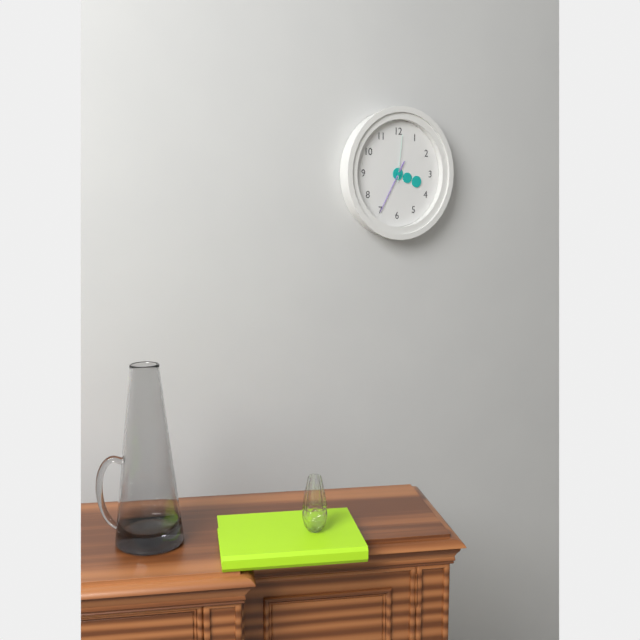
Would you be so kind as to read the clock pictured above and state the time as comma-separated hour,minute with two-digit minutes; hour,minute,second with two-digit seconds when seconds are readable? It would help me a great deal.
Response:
3,35
